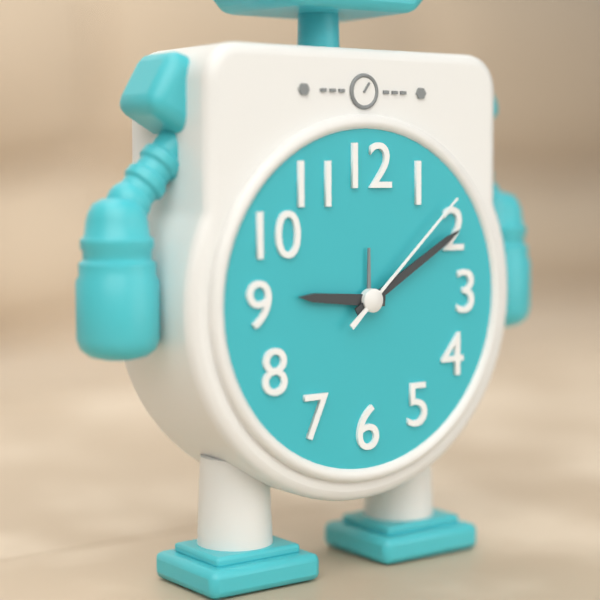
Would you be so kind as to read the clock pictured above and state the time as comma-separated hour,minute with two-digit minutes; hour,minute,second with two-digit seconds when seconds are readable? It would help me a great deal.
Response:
9,10,08
